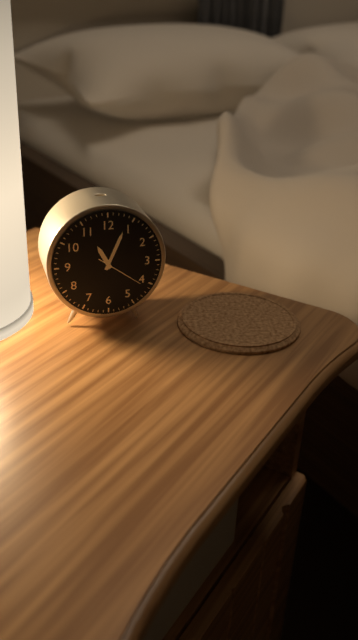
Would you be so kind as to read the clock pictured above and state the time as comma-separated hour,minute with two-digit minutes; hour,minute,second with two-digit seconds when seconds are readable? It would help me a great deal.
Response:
11,04
